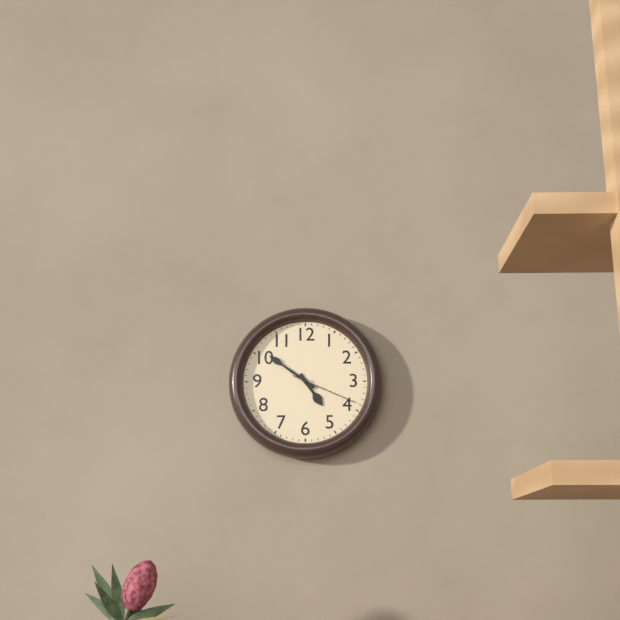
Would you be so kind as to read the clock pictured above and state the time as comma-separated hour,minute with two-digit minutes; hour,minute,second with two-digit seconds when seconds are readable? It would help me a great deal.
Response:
4,51,19
